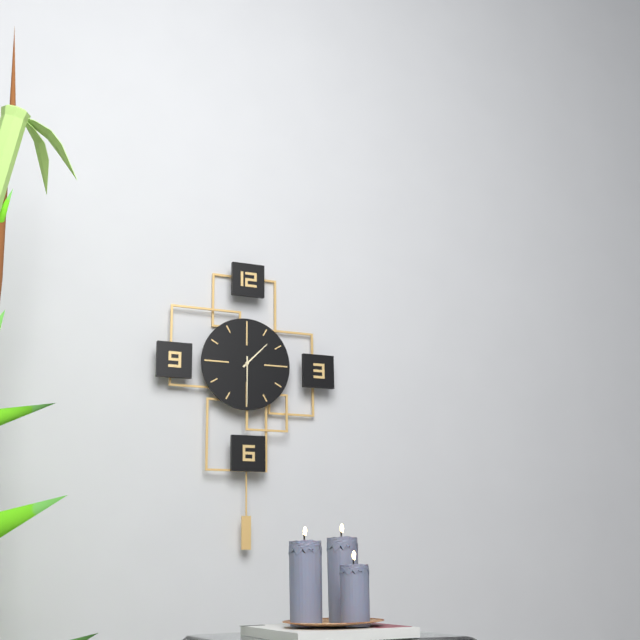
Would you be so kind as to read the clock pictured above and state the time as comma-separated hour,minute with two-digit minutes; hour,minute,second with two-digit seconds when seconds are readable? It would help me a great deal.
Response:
1,30
